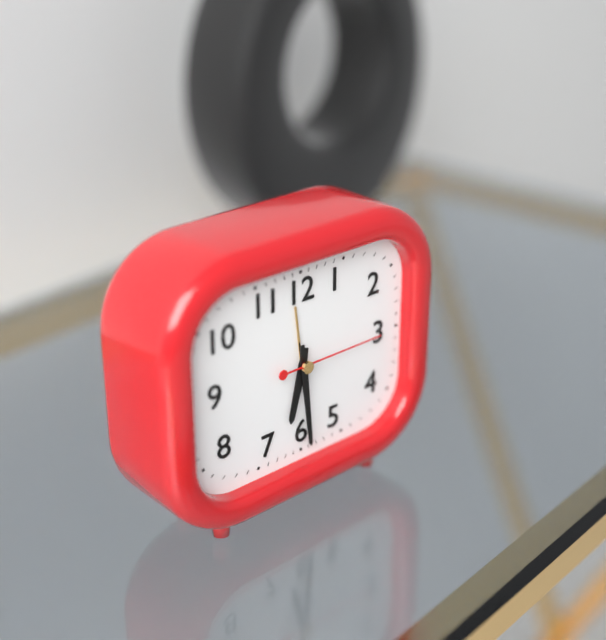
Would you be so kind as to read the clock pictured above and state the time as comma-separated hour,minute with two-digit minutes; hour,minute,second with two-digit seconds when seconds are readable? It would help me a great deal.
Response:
6,29,15
